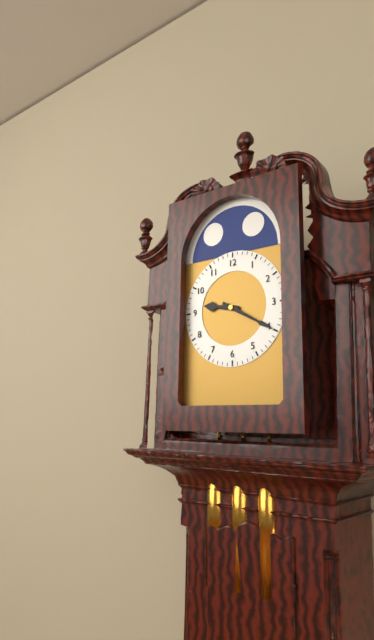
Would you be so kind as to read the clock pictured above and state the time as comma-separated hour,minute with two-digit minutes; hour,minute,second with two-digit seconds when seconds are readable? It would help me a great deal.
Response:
9,20
